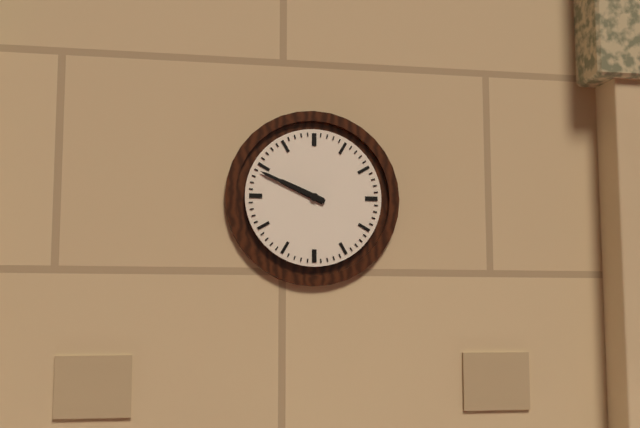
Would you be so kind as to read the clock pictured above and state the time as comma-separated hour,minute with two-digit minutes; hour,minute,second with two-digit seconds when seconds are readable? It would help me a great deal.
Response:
9,49
